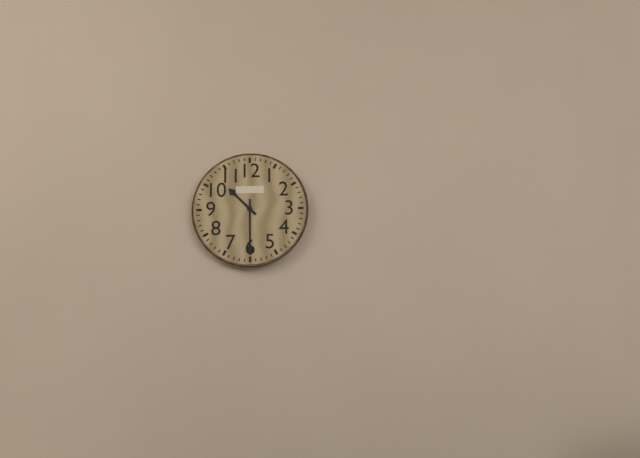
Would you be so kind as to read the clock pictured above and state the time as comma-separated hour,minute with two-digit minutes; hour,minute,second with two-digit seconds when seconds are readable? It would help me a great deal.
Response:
10,30
